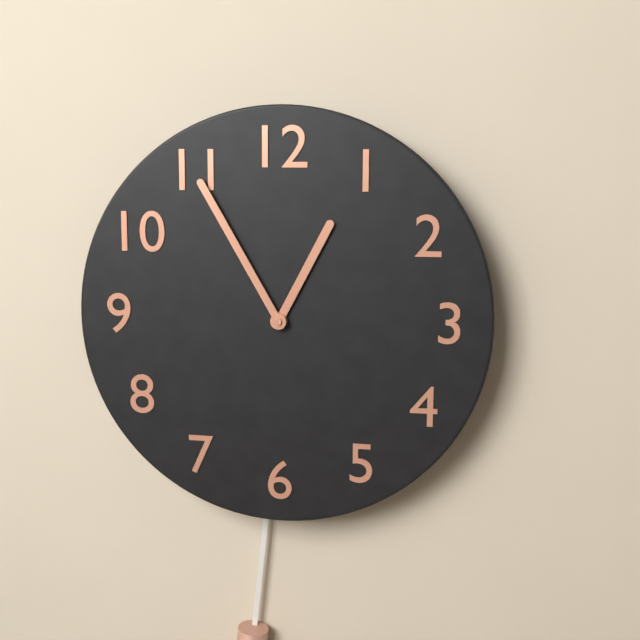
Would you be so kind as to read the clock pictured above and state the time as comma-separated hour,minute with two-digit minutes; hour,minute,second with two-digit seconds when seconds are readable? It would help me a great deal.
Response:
12,55
